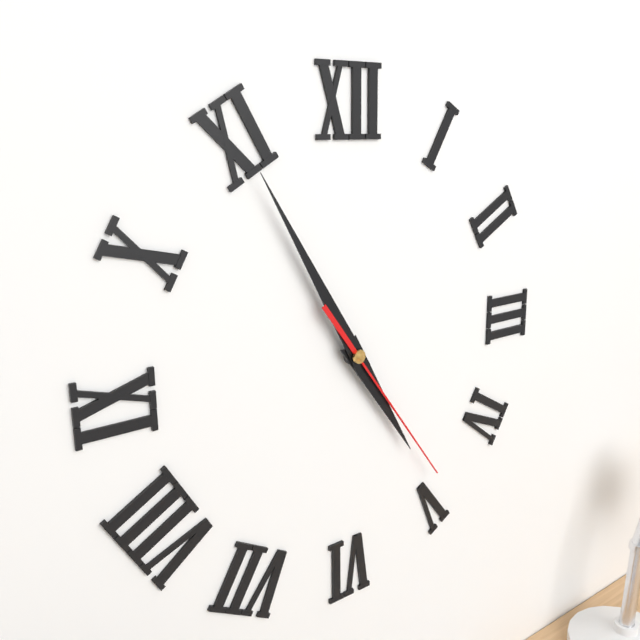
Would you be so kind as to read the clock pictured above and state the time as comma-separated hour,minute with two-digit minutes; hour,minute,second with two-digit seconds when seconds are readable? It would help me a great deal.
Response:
4,55,24
